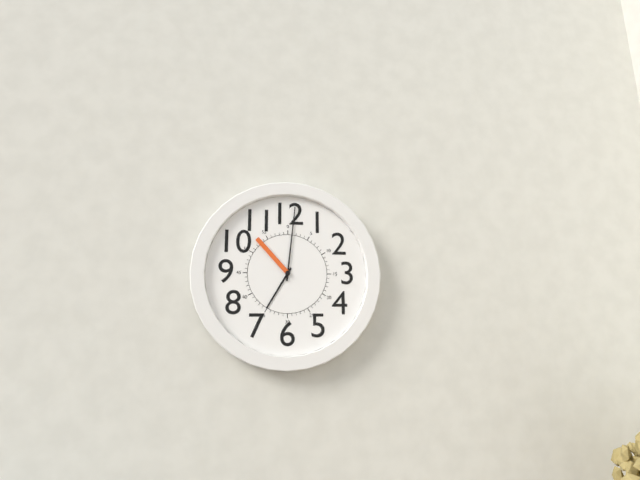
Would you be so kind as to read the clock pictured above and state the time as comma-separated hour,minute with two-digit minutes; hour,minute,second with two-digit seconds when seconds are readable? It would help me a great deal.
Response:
7,01,53
